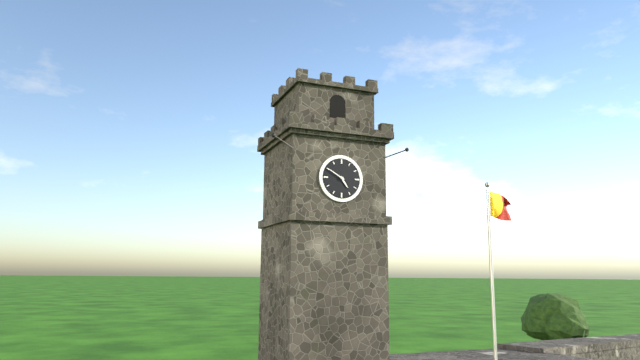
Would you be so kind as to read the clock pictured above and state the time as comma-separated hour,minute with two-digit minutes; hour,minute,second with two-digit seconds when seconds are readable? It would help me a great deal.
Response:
4,50
